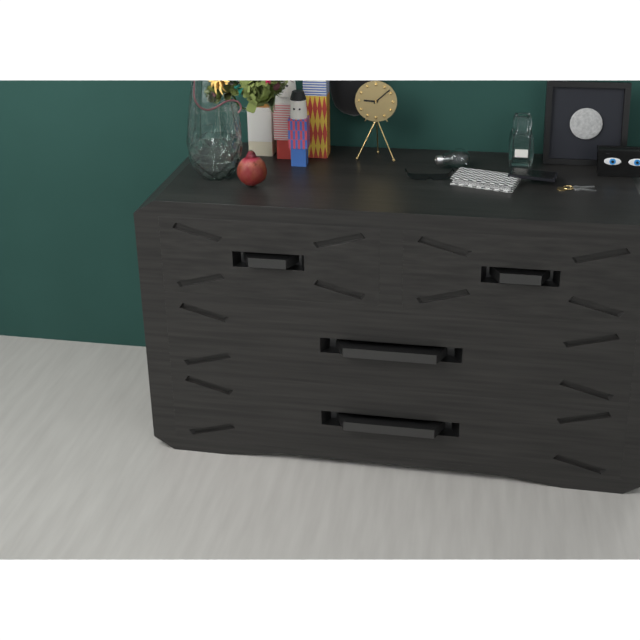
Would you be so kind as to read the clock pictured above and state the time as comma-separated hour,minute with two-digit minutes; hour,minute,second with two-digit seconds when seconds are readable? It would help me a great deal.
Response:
9,08
